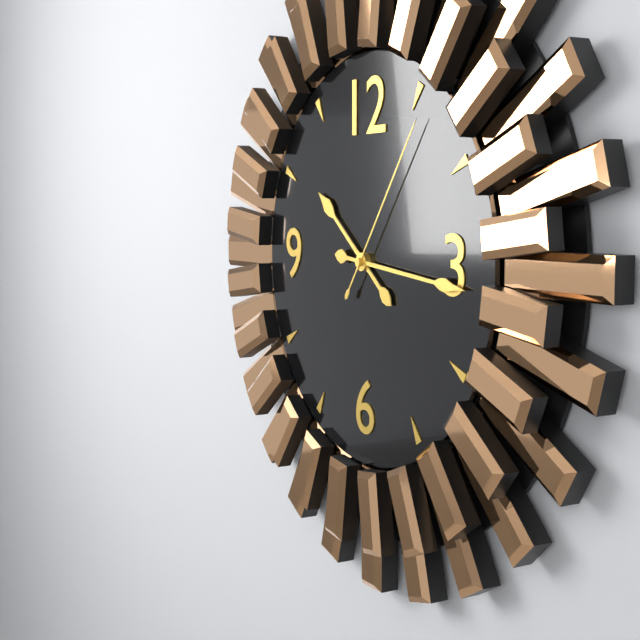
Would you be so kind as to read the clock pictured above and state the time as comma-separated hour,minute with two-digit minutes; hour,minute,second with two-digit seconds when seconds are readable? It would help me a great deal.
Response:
10,16,06
